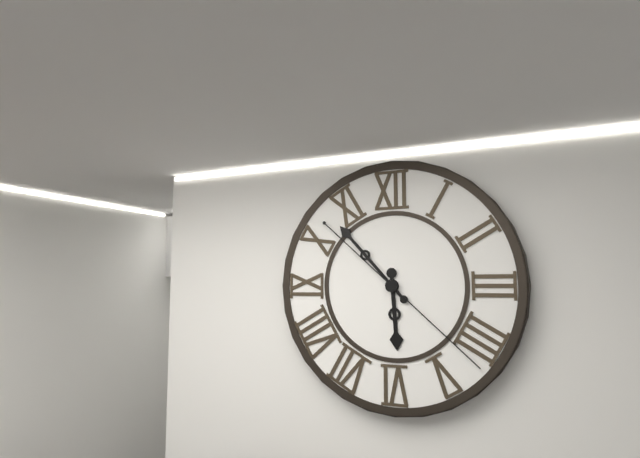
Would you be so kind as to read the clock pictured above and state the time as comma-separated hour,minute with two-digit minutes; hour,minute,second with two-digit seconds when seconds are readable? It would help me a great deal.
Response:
5,53,22
